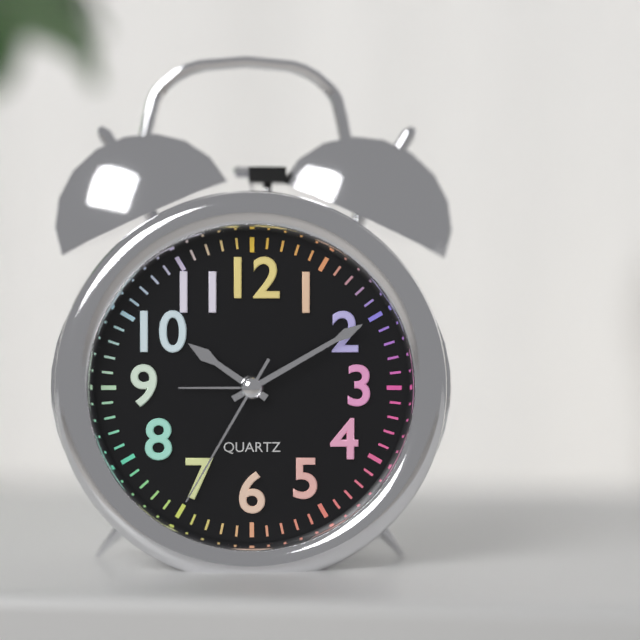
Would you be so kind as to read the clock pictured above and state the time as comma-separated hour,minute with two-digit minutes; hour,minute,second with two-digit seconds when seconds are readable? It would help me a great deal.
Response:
10,10,35
